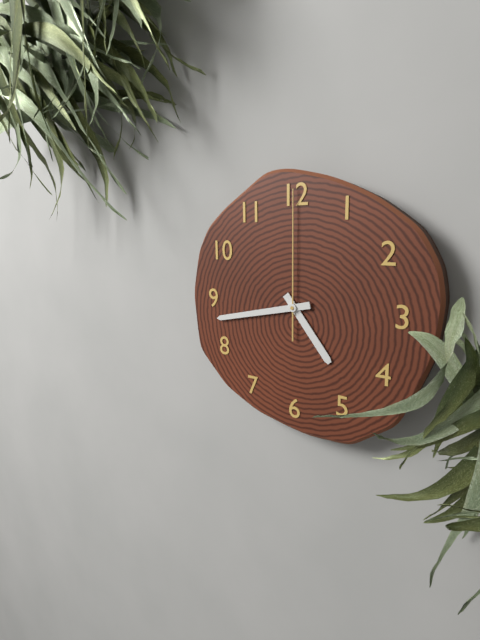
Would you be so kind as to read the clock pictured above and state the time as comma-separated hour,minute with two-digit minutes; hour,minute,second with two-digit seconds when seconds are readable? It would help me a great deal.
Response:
4,43,00
